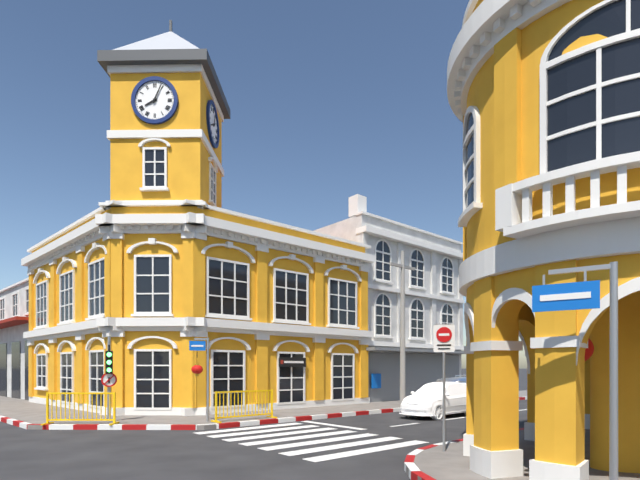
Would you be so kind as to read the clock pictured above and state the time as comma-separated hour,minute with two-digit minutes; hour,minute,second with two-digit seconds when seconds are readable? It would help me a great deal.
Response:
8,04
